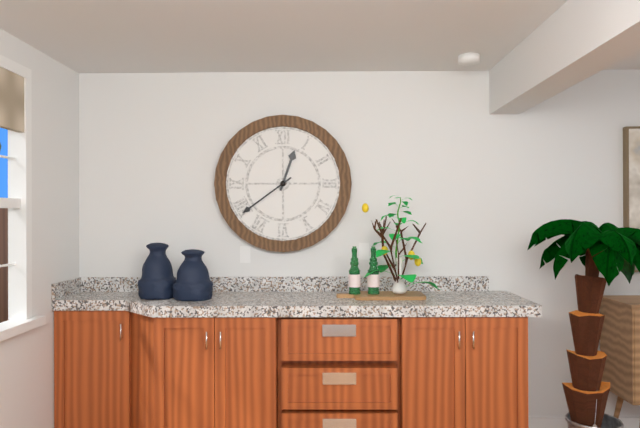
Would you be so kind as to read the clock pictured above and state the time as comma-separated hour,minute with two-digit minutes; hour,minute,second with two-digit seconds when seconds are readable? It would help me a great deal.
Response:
12,39
